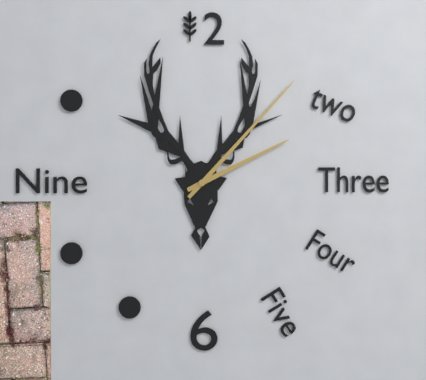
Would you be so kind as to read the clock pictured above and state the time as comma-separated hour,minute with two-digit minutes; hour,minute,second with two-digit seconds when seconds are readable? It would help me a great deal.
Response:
2,07
